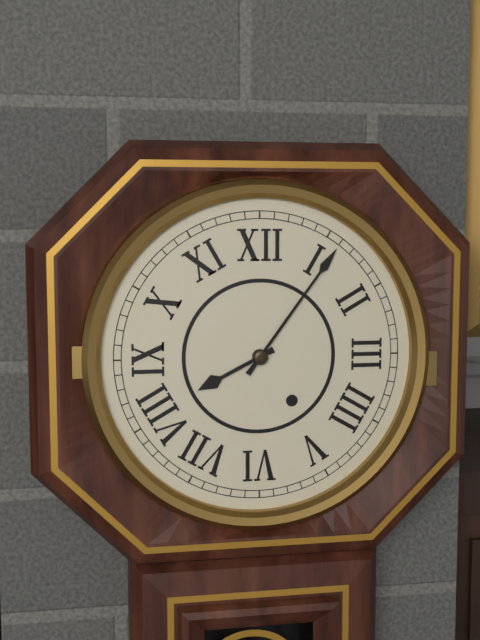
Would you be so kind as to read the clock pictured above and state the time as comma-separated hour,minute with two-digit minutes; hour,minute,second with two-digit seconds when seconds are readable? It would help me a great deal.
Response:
8,06
